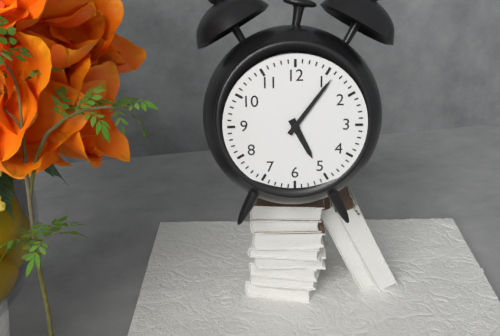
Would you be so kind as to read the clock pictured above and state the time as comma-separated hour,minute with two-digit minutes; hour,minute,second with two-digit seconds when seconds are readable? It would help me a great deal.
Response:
5,06
